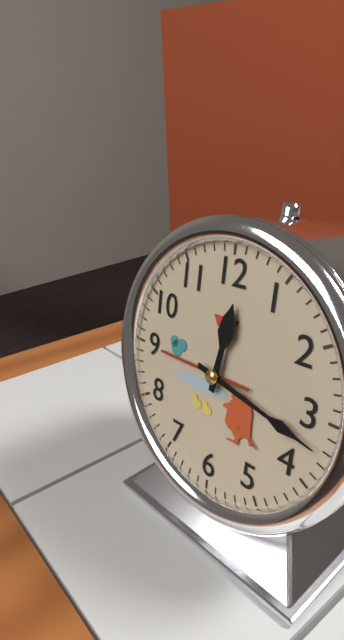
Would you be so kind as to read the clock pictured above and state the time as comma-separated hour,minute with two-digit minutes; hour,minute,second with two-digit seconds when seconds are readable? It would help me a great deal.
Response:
12,17
